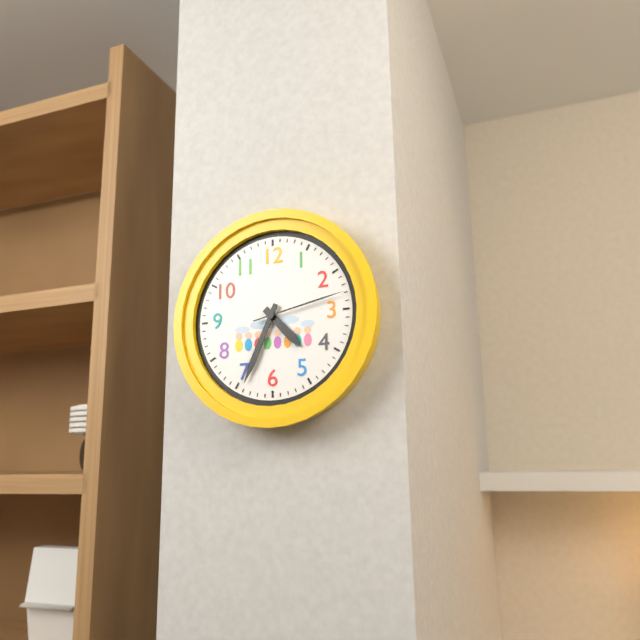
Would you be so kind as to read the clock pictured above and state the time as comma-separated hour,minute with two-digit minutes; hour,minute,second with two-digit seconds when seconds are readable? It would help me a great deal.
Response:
4,34,13
